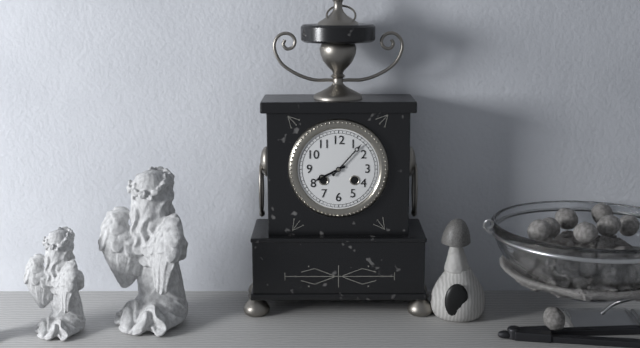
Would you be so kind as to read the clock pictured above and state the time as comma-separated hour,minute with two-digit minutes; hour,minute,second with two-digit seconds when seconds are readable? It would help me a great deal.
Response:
8,07
